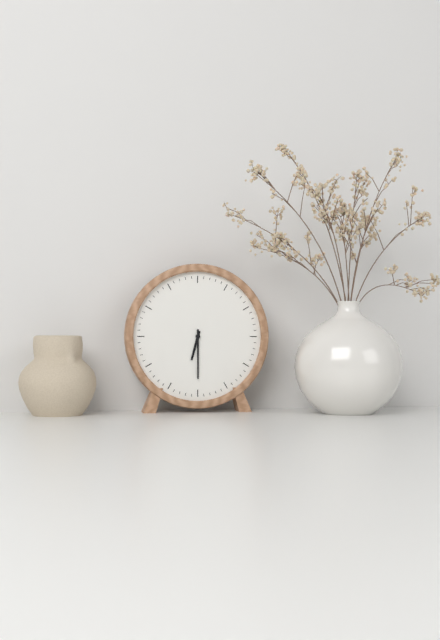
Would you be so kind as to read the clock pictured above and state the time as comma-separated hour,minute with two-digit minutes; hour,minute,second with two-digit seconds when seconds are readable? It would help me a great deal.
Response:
6,30
